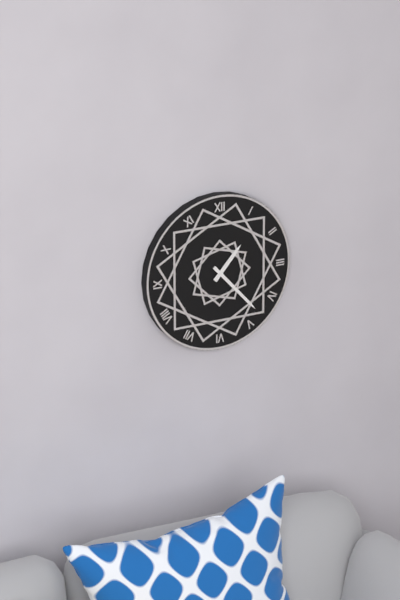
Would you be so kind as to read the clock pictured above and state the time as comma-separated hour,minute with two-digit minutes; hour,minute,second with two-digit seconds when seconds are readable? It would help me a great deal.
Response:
1,23
